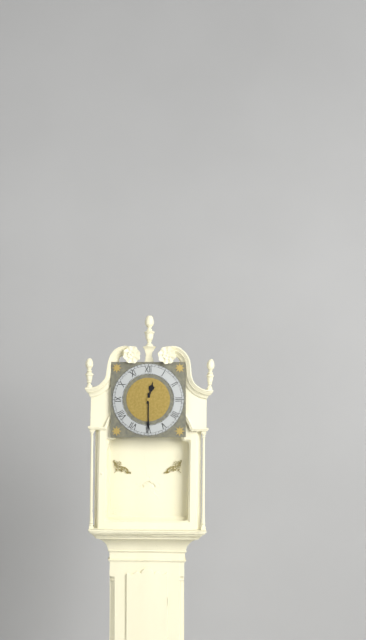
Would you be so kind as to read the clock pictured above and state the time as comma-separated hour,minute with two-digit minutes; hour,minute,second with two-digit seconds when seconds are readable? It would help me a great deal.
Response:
12,30
